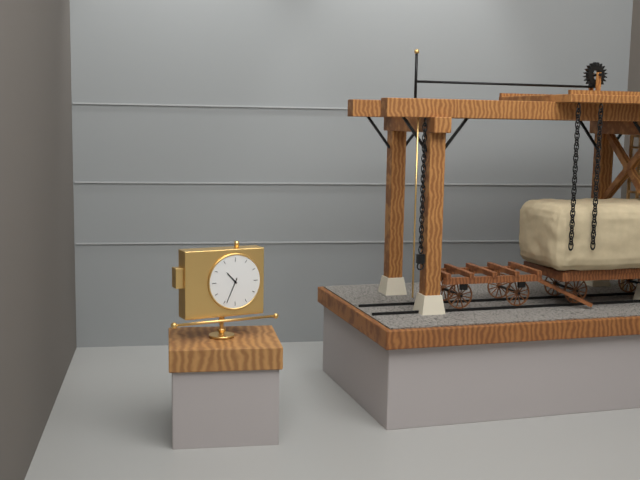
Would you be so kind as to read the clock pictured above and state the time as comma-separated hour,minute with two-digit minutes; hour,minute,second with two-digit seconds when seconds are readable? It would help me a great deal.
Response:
10,34
